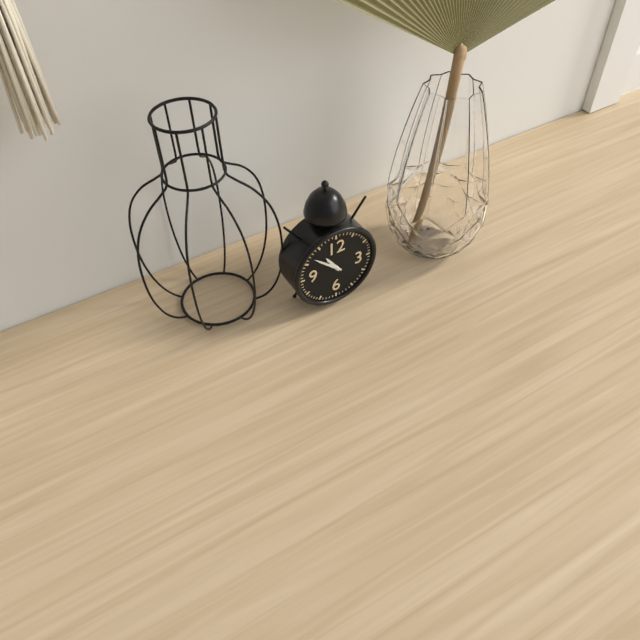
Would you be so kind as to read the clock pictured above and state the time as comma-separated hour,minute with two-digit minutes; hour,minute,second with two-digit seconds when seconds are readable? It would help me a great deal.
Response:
10,52
